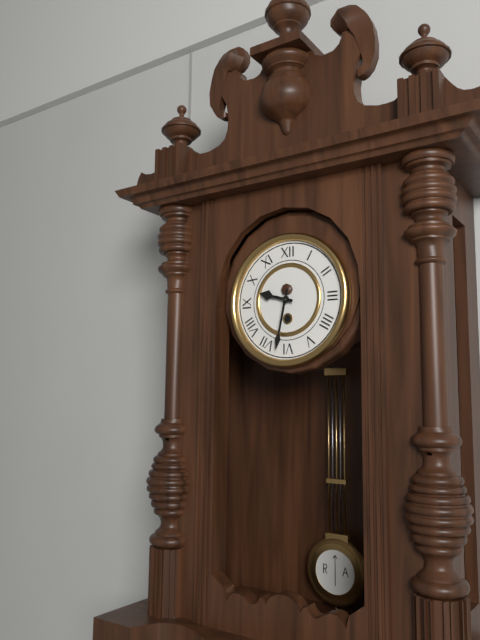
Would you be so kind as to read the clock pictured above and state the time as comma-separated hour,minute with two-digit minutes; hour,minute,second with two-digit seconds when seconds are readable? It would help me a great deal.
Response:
9,32
